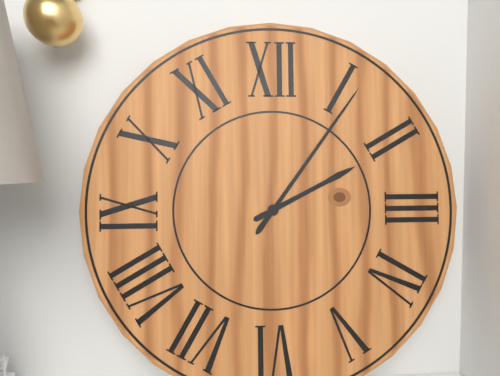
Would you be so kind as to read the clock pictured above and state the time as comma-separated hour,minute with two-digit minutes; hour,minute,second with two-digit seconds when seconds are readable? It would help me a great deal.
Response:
2,06
